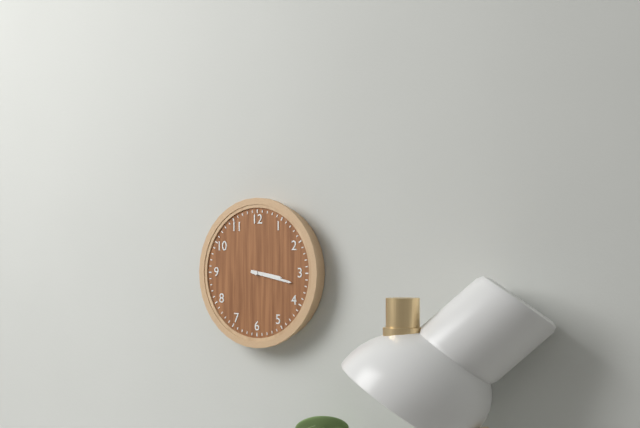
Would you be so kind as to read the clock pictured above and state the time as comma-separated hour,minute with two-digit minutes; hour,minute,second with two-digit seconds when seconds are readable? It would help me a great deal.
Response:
3,17
